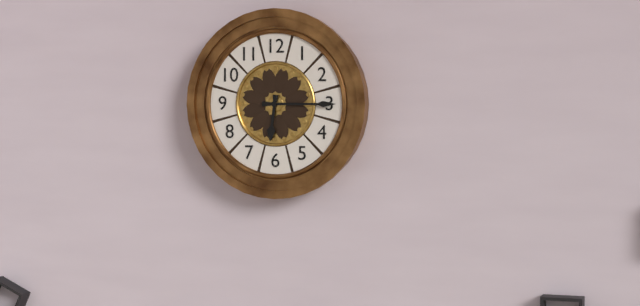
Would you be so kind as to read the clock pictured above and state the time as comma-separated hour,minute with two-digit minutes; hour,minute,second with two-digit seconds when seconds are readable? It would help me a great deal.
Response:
6,15
